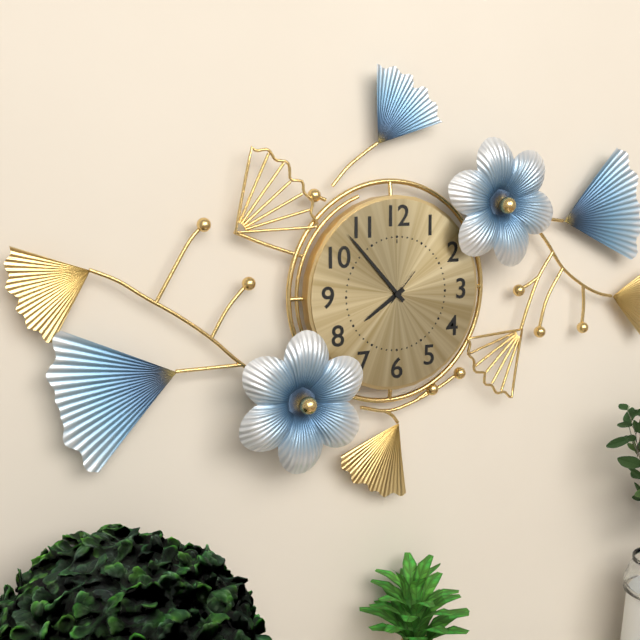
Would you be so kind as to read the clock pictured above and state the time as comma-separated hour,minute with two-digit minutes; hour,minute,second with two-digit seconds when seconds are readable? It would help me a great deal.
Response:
7,53
